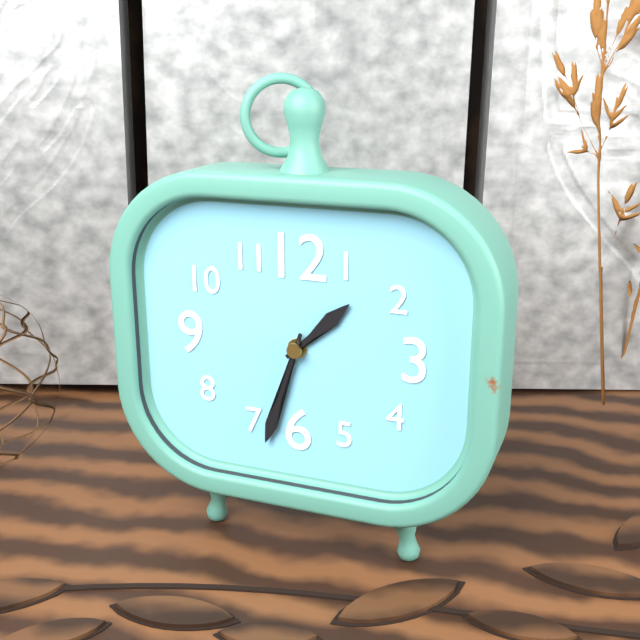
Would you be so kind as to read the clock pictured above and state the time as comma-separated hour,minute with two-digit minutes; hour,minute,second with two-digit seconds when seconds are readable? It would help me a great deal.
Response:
1,33
